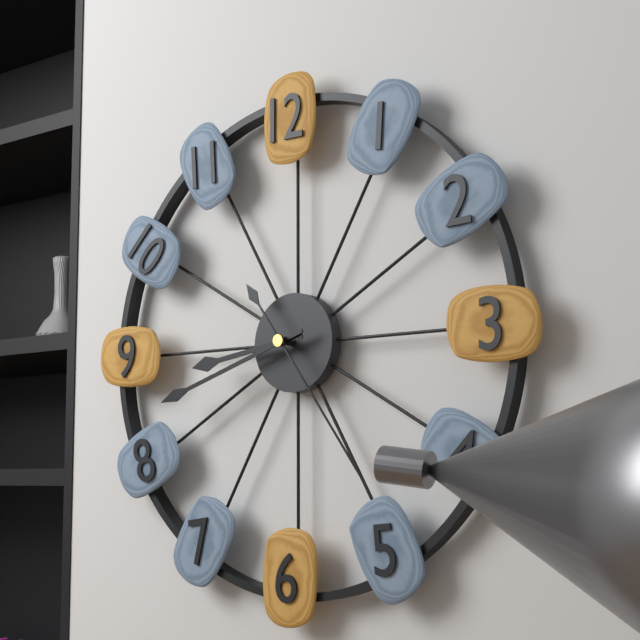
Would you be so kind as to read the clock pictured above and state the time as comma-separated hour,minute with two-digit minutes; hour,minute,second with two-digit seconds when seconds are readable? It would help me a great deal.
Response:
8,42,24
